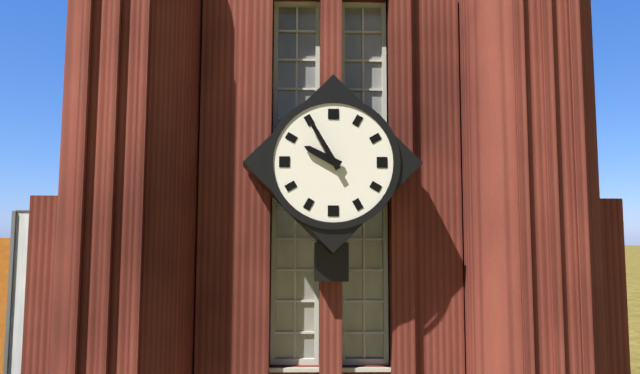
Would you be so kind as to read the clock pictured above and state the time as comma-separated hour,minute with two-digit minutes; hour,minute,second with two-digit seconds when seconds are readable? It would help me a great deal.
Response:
9,55
